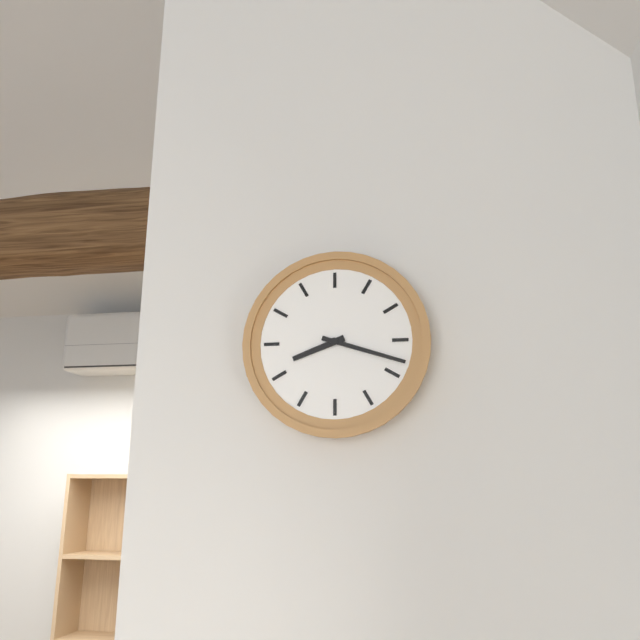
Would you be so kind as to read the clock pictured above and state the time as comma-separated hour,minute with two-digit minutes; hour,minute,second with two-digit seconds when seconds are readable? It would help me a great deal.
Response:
8,18
